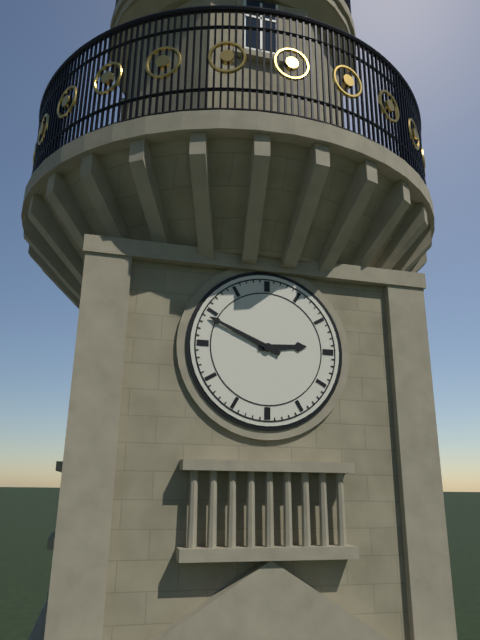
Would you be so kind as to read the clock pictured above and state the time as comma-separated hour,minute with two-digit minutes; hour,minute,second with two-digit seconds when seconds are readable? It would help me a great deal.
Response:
2,49
